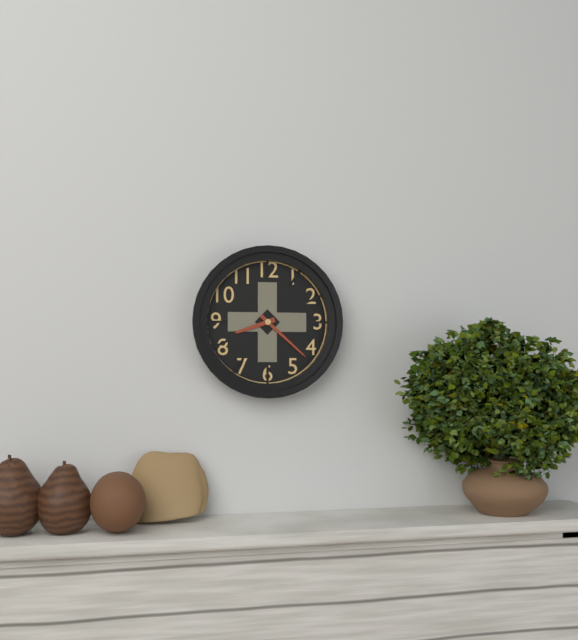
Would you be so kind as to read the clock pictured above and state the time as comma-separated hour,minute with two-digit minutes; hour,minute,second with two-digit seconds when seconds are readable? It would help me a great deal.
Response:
8,22
